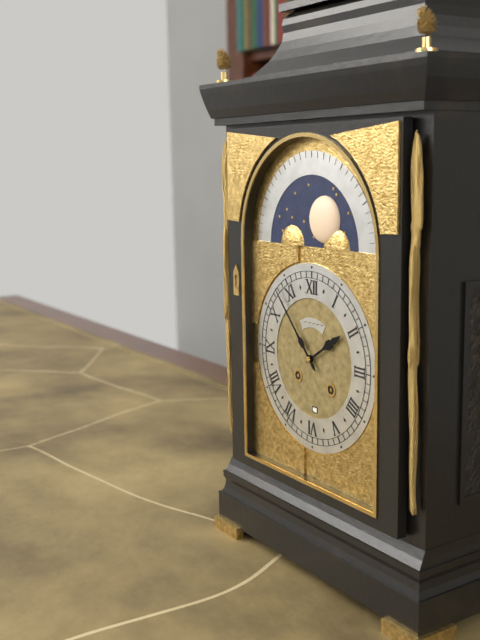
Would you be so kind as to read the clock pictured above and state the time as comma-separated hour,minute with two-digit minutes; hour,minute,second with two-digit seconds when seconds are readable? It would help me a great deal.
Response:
1,53
